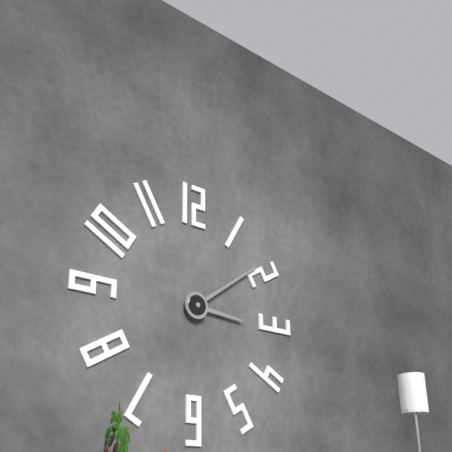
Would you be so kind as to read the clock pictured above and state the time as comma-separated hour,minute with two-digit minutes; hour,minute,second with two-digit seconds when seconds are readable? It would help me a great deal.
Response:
3,09
